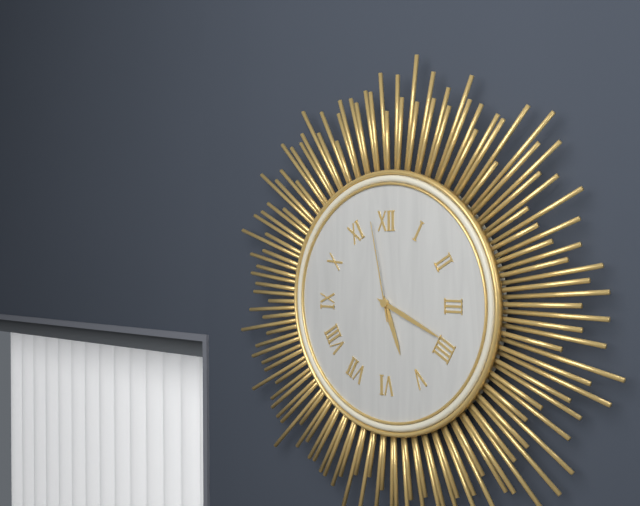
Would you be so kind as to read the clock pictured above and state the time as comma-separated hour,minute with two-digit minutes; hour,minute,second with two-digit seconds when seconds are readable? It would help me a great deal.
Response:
5,19,58
